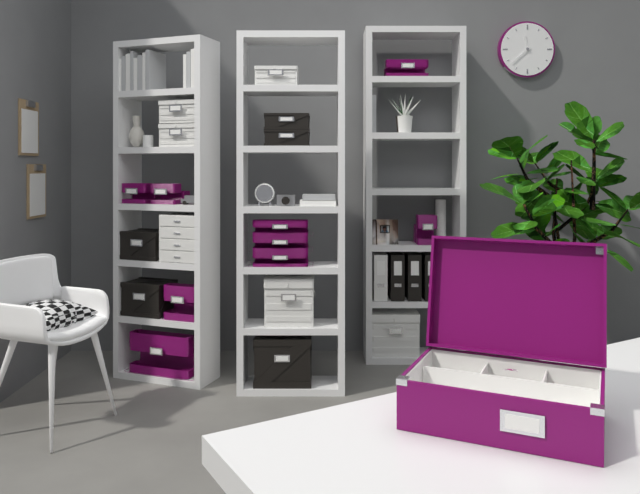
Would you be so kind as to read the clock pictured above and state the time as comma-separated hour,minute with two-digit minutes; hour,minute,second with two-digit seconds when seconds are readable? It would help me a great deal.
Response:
11,38
